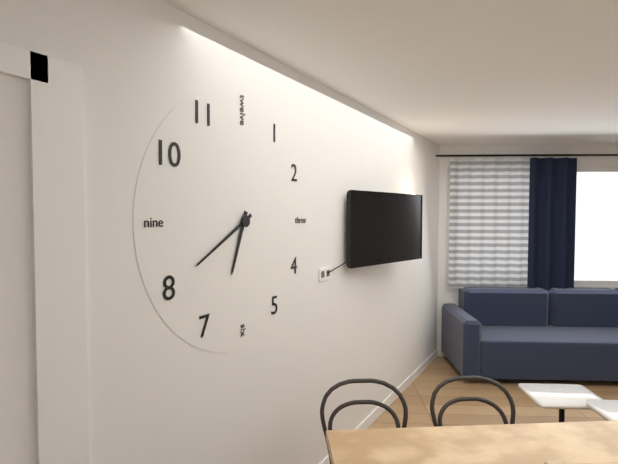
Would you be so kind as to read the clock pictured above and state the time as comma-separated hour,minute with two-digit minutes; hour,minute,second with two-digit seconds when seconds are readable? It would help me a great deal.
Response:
6,40
